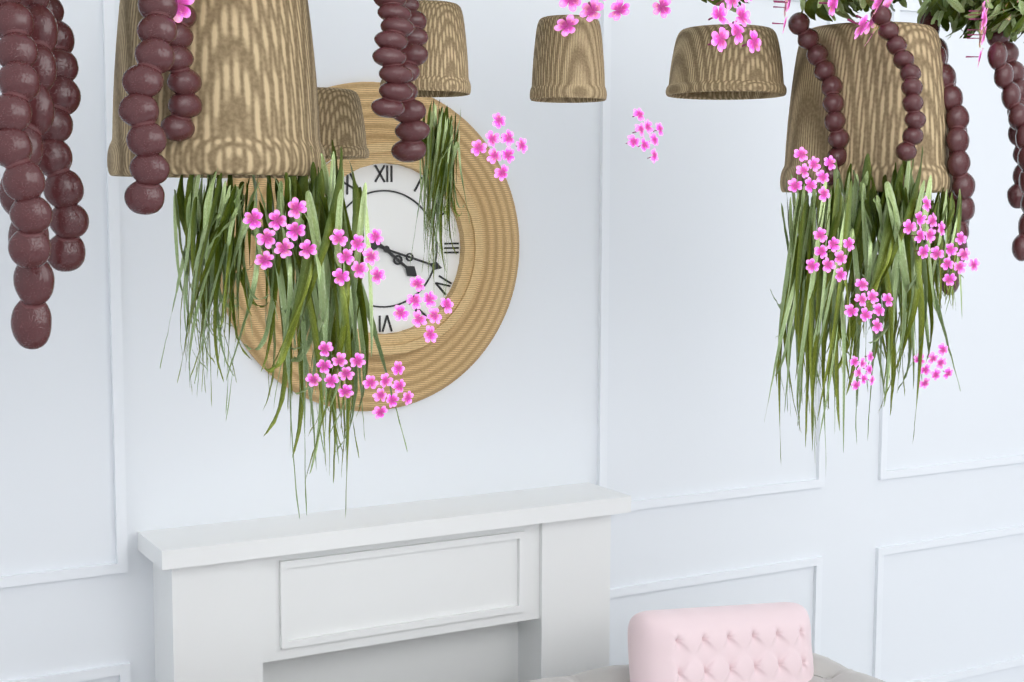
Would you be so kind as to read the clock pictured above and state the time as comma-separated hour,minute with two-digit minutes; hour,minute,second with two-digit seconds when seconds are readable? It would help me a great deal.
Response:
4,18
